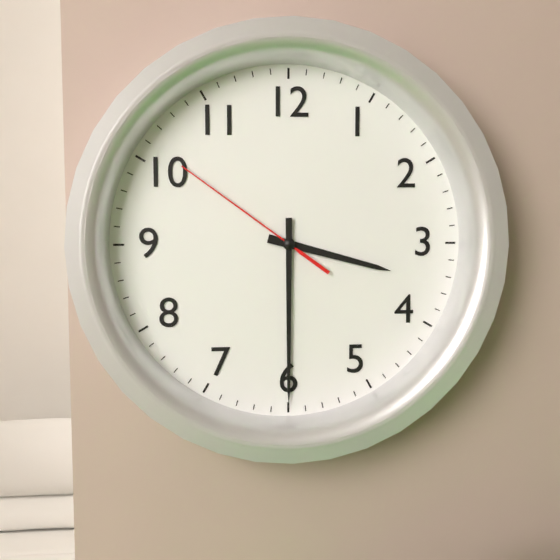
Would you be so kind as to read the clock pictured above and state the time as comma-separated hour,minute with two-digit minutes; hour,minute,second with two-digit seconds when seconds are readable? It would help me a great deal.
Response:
3,30,51
